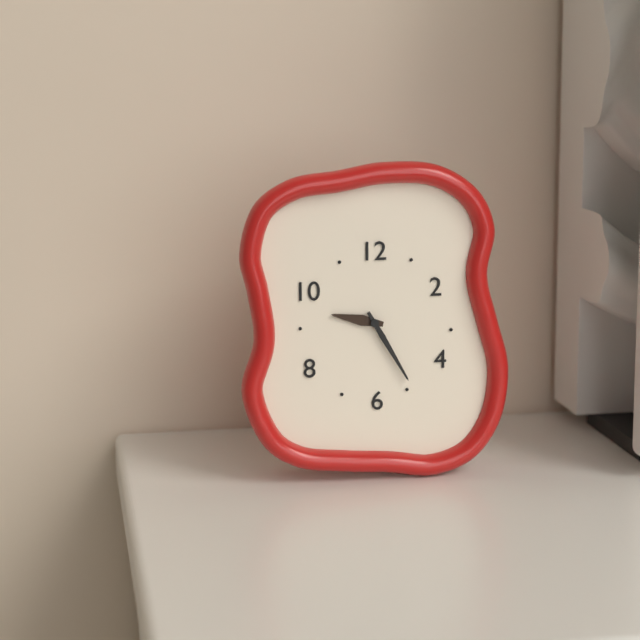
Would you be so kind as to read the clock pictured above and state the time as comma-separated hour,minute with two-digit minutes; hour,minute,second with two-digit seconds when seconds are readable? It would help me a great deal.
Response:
9,25
